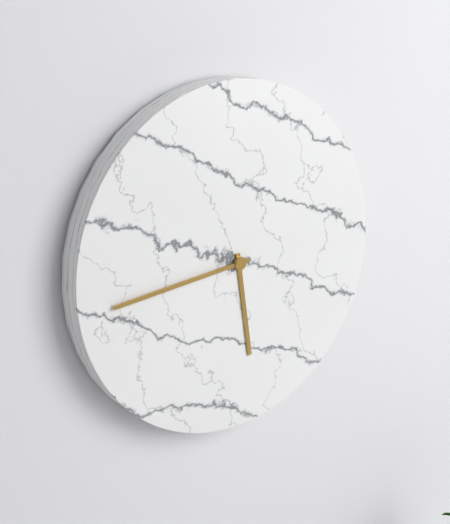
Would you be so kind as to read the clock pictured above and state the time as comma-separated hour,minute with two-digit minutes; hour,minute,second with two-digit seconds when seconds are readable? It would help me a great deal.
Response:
5,44
